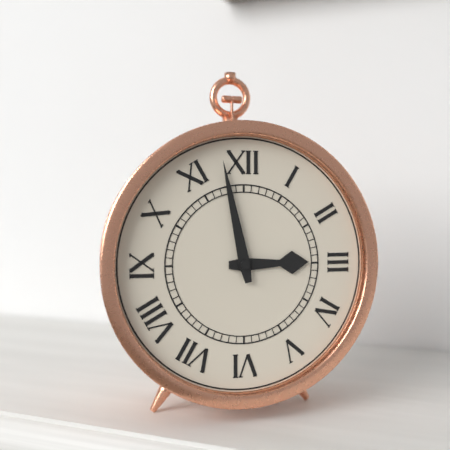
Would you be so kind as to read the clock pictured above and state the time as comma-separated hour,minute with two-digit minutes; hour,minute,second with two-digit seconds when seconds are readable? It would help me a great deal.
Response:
2,58
